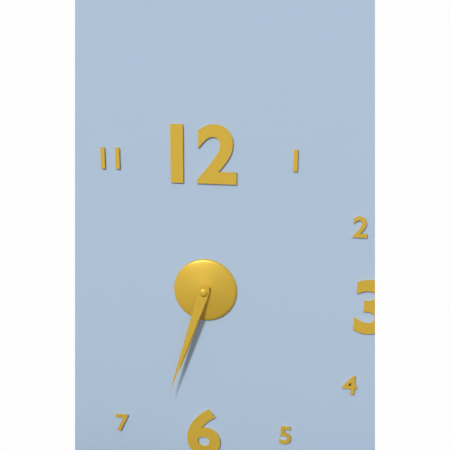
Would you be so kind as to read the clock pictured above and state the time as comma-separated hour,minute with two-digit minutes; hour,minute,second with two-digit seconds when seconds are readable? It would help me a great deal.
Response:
6,33
